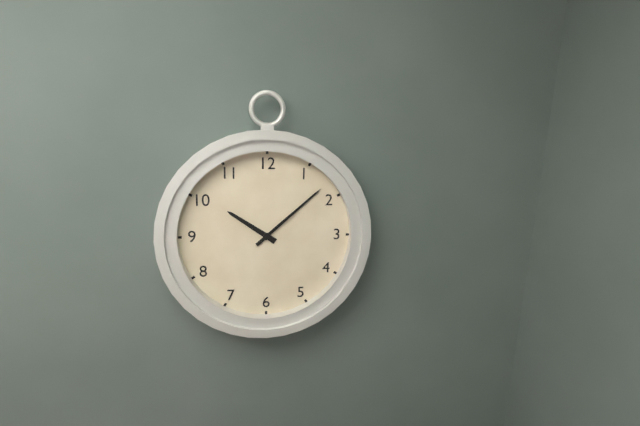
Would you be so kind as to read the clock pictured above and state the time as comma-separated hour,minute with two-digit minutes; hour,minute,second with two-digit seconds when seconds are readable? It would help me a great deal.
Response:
10,08
